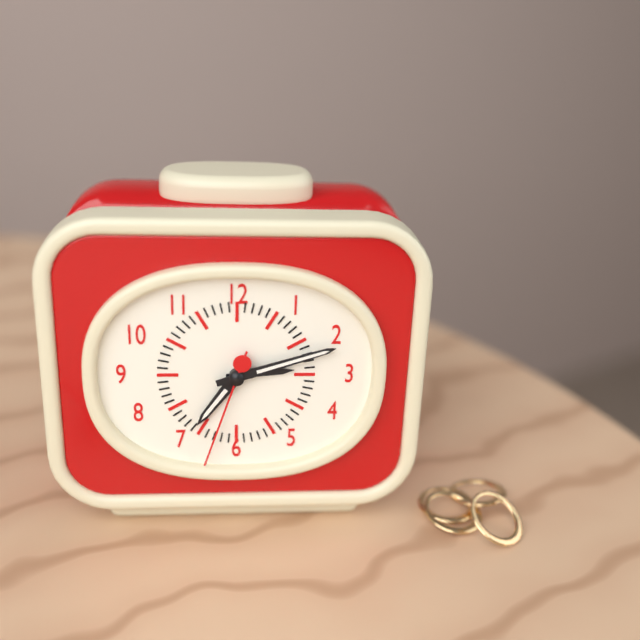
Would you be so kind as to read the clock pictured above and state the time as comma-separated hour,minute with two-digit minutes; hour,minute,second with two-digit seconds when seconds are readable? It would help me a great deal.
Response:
7,12,33
